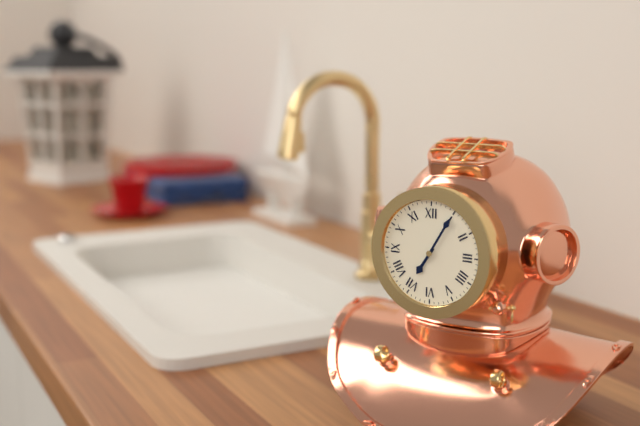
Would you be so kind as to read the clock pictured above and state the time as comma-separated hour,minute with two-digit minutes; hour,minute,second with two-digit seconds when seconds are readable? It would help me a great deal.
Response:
7,05
